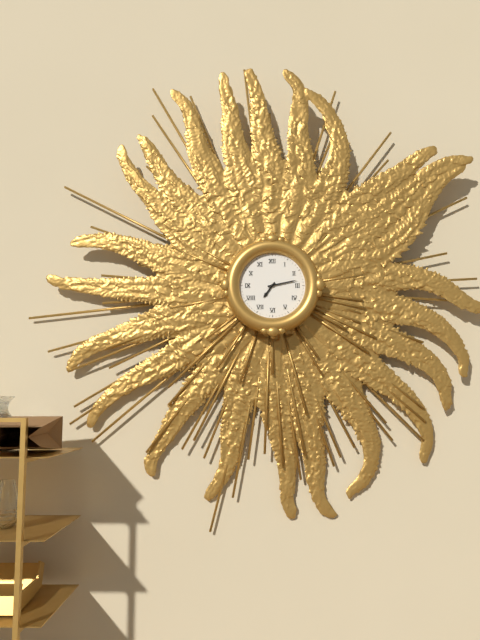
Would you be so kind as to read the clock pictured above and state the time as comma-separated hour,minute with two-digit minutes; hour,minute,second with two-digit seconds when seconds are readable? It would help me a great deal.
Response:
7,13
